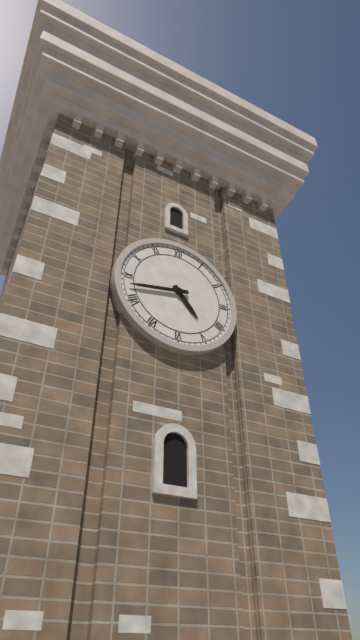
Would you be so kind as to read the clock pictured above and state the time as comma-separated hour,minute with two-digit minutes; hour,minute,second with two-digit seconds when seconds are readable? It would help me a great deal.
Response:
4,43
